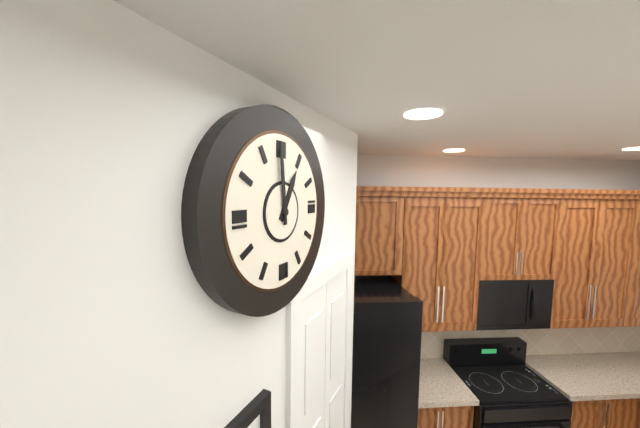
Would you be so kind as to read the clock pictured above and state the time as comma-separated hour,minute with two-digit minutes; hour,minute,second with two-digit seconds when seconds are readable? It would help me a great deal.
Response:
12,59
